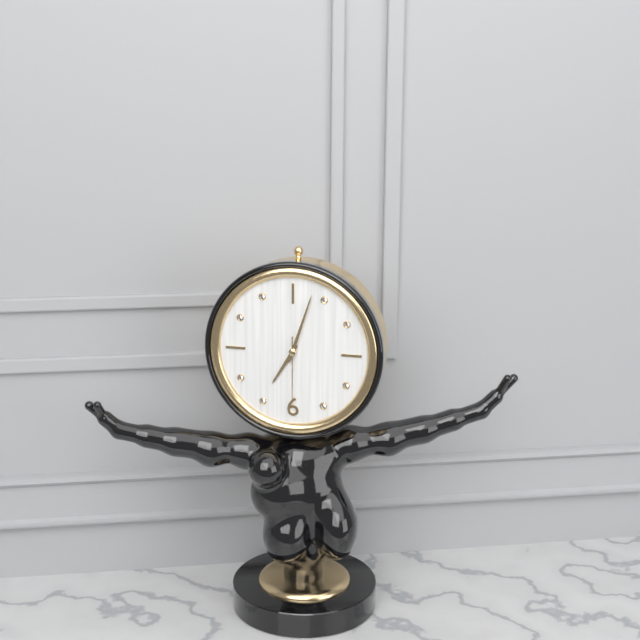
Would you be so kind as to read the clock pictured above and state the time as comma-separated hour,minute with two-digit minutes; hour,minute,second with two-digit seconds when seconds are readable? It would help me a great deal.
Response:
7,03,30
